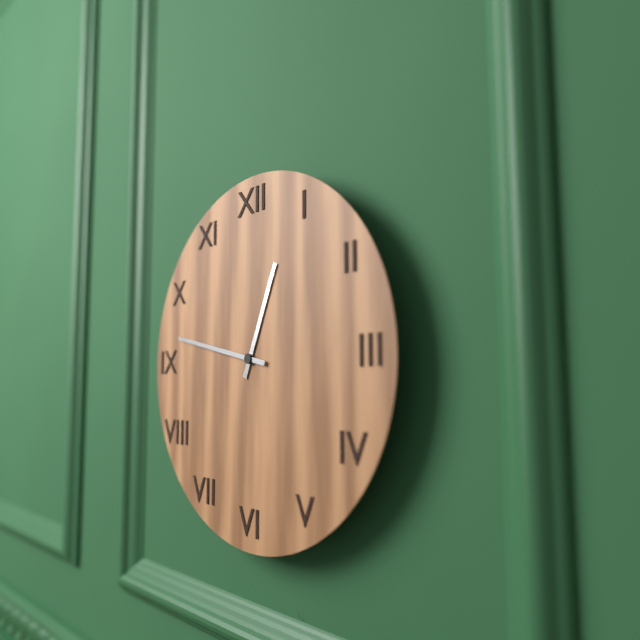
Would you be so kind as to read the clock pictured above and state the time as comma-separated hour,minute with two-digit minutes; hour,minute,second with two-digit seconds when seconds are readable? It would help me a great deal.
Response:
12,47
